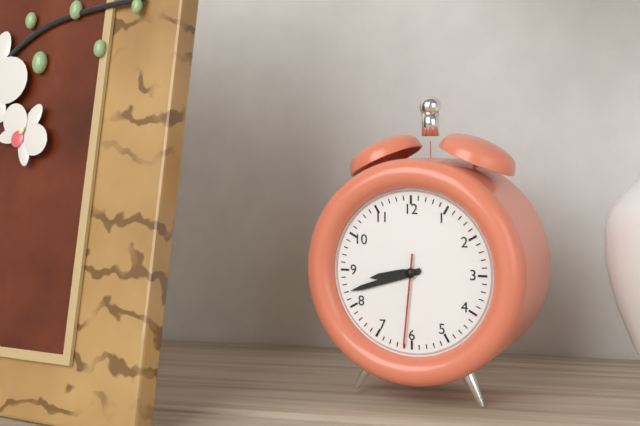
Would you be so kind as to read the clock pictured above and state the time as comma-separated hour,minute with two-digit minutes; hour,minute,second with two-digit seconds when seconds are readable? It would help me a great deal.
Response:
8,42,31
